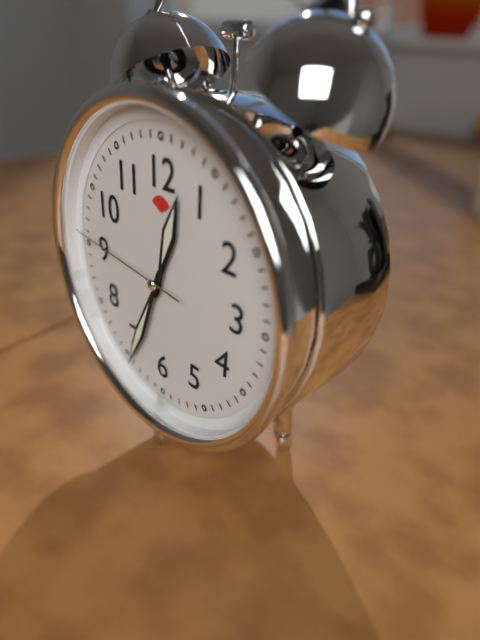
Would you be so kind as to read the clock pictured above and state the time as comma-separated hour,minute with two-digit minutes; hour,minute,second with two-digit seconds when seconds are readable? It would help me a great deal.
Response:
12,34,46
